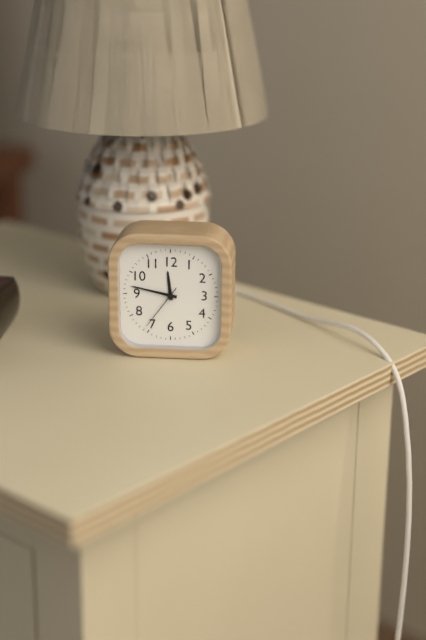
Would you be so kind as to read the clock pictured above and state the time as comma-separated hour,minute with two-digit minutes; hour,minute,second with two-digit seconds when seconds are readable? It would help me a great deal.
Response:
11,47,36
